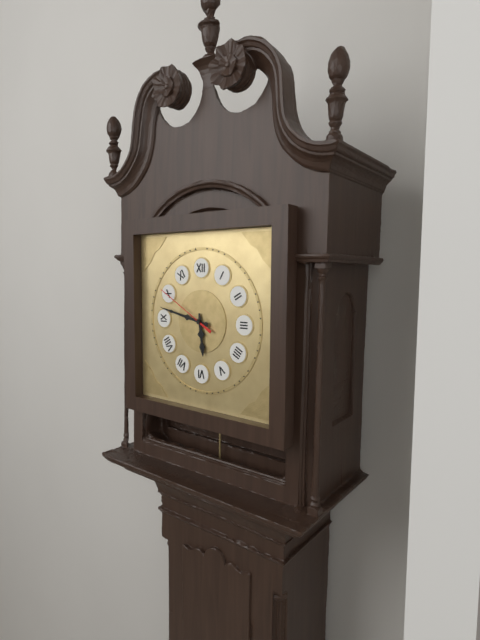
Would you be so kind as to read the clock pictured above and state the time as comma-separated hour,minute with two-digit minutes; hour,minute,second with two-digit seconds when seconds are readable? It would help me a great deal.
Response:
5,47,50
